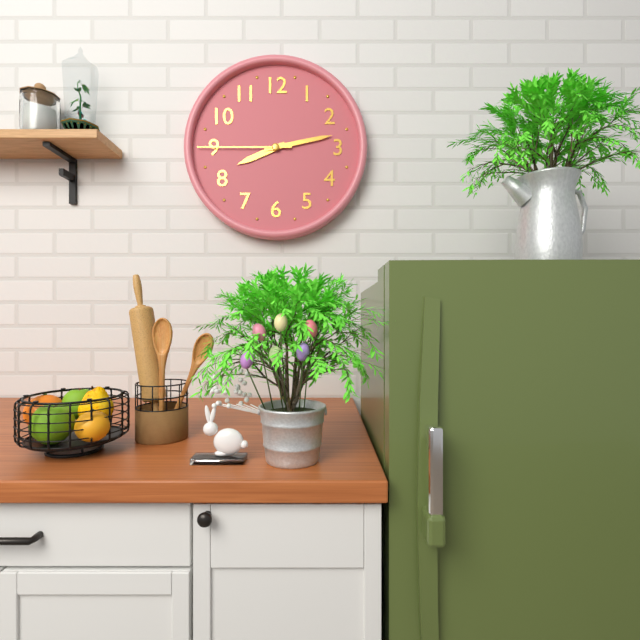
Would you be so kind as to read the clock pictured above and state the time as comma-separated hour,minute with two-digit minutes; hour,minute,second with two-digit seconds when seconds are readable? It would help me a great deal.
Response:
8,13,45
